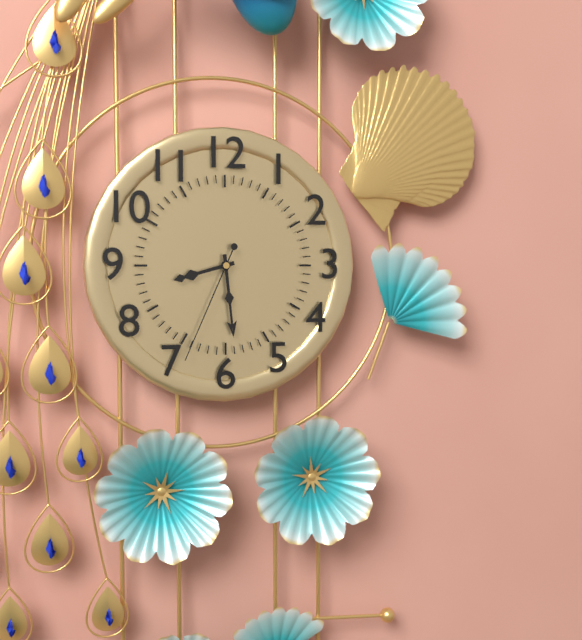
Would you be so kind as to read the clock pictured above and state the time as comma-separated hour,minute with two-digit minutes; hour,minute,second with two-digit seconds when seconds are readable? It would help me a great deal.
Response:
8,29,34
